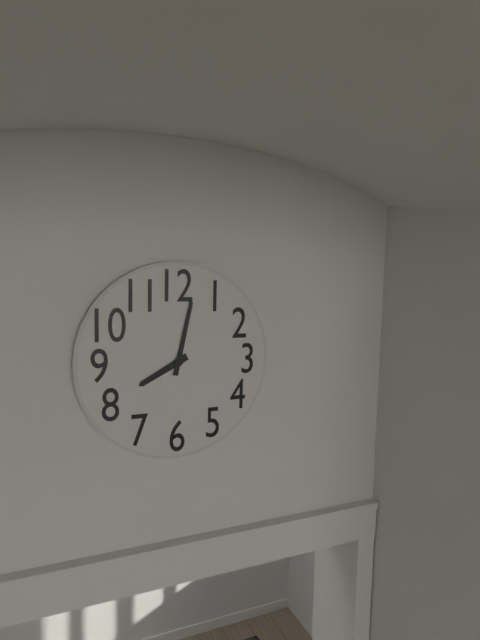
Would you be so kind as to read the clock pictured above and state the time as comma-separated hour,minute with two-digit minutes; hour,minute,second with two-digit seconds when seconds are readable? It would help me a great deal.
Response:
8,02
